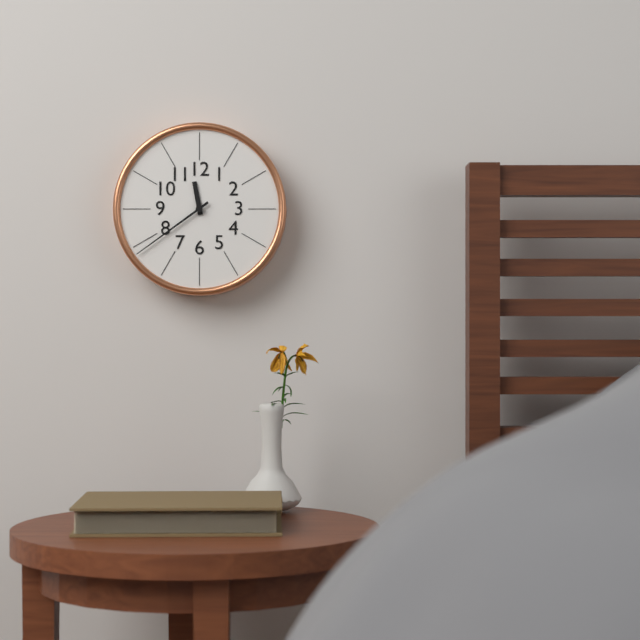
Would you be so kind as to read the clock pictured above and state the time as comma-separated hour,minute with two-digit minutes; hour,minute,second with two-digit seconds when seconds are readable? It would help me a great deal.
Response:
11,39
